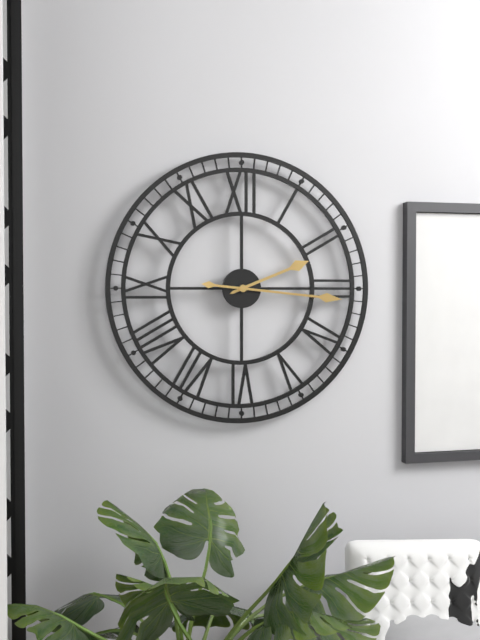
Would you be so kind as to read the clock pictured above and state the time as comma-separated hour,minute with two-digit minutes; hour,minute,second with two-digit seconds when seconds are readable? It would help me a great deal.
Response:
2,16
